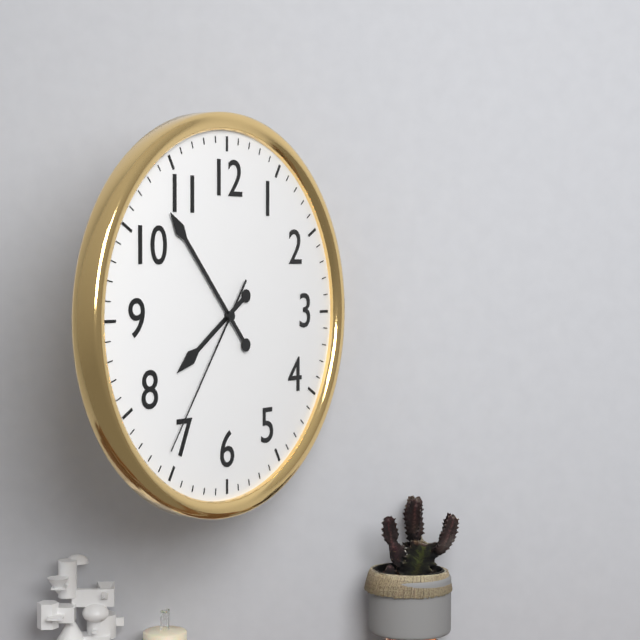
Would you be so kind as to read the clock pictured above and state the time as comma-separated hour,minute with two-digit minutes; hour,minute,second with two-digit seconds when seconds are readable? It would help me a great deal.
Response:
7,53,36
